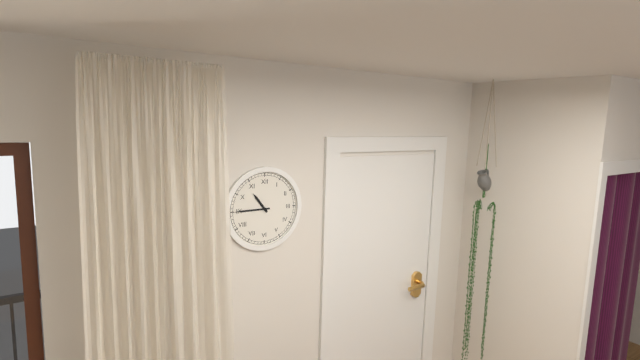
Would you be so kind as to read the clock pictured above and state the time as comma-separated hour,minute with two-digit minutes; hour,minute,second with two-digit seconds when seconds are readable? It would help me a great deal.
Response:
10,45
